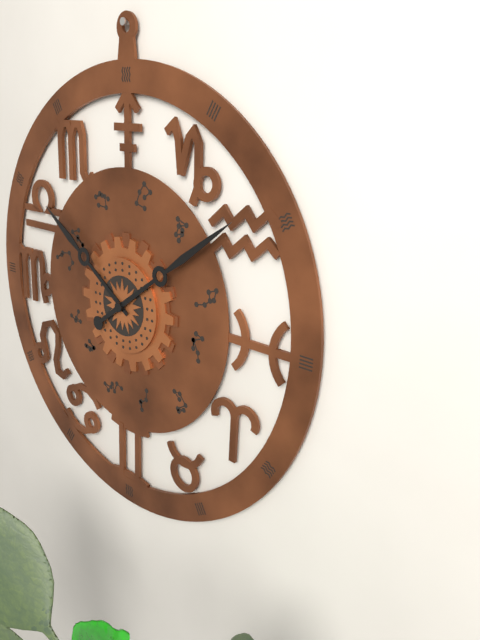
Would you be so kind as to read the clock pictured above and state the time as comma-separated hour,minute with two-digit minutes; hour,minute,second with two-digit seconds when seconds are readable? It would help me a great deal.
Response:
10,09
